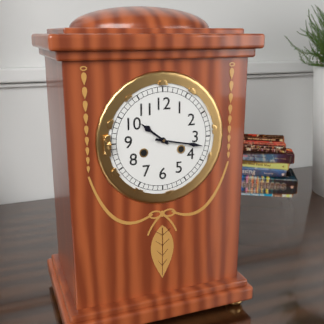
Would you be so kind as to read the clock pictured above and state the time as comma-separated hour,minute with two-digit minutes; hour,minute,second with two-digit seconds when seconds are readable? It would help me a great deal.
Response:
10,17
